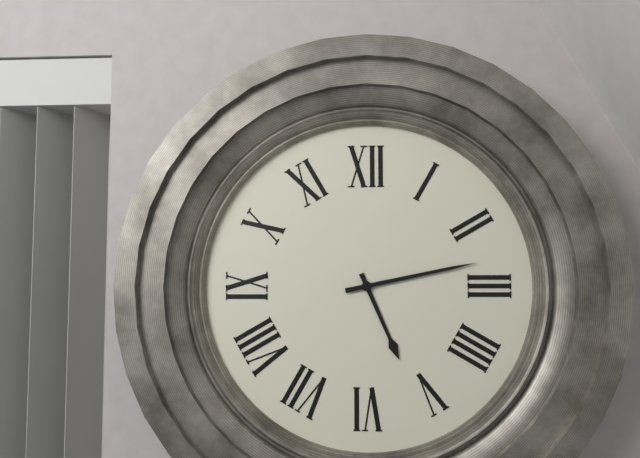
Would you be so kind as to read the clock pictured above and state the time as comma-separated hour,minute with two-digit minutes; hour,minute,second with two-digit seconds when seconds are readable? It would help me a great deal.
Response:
5,13
